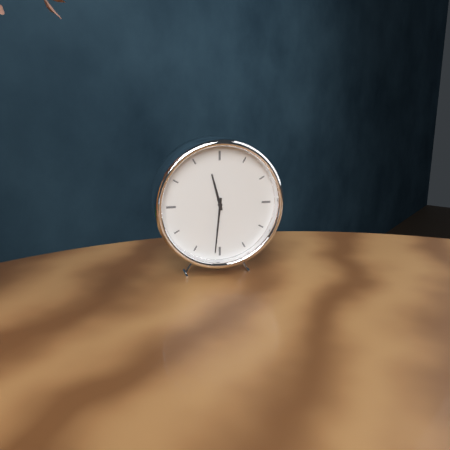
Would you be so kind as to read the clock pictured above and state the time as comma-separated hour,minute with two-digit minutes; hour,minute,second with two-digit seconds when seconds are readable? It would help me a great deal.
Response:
11,31
